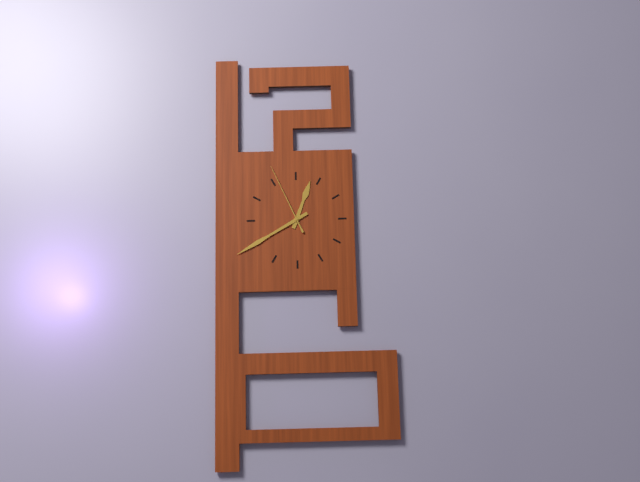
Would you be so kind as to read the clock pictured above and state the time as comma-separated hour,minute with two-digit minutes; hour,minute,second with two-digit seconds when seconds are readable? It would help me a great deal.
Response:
12,40,56
